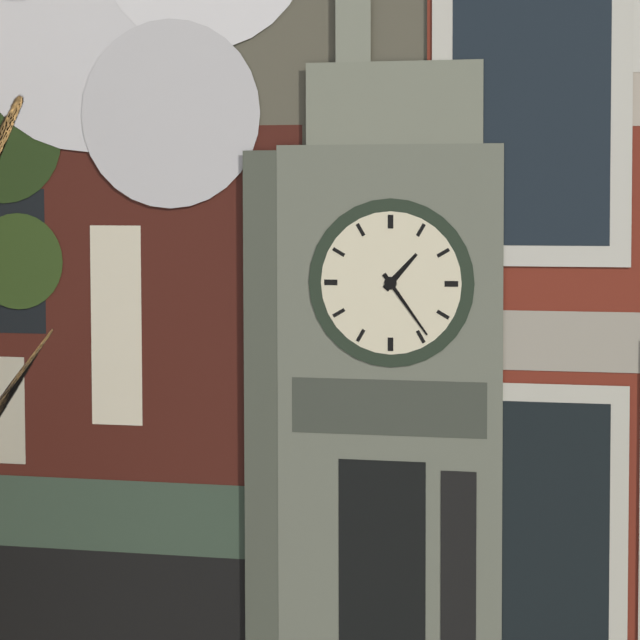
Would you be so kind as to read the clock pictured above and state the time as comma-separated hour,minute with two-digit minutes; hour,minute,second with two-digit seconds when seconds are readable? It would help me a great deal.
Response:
1,24
